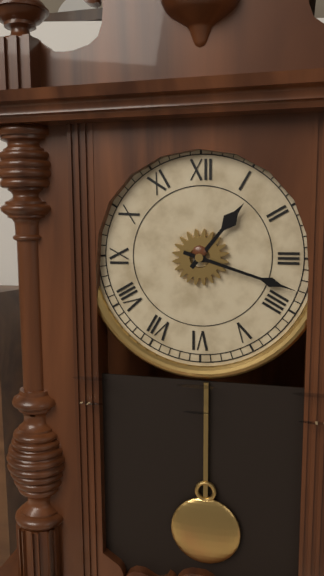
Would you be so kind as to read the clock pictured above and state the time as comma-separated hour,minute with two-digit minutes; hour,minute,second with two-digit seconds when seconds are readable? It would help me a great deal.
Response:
1,18
